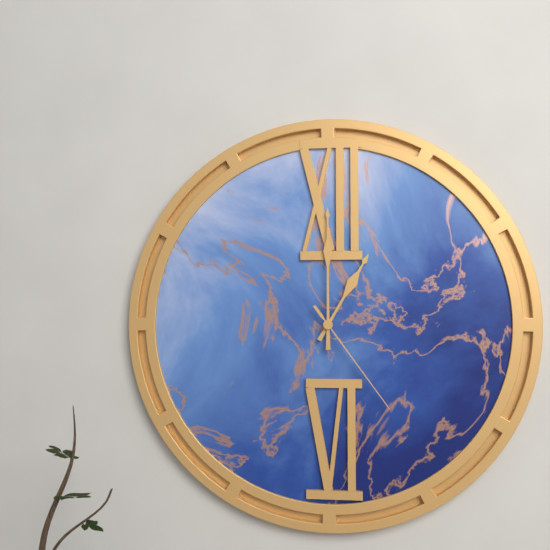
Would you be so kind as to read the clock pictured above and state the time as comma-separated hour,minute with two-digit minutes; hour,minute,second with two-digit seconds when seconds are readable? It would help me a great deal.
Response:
1,00,24
